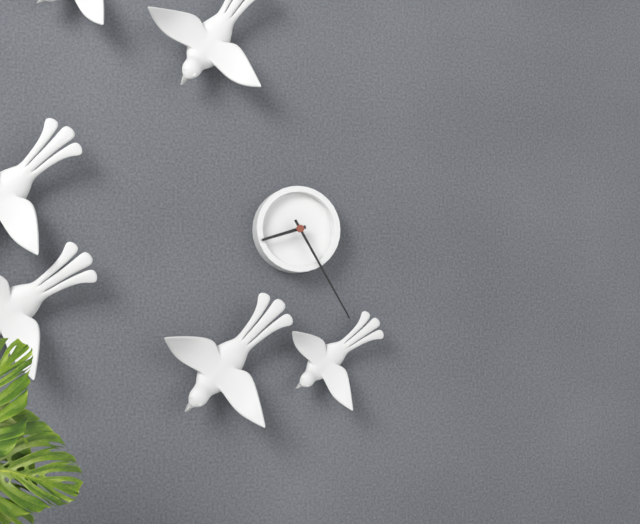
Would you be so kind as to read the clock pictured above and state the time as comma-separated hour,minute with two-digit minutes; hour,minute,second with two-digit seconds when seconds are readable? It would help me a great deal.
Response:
8,25
